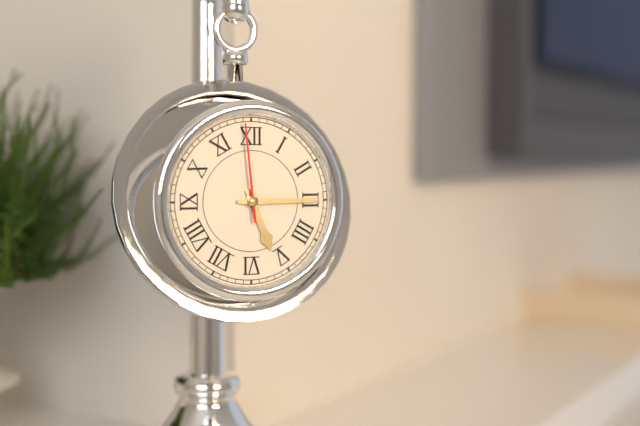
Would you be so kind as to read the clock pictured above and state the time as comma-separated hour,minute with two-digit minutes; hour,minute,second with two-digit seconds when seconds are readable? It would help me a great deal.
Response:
5,15,59
